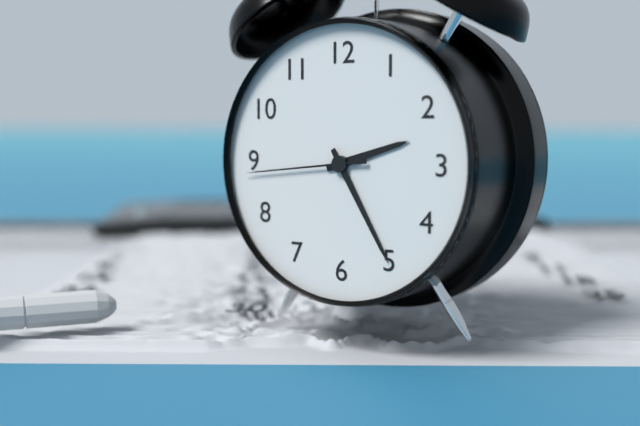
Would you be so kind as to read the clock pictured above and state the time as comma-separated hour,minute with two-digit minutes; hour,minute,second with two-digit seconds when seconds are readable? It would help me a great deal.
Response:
2,25,44
